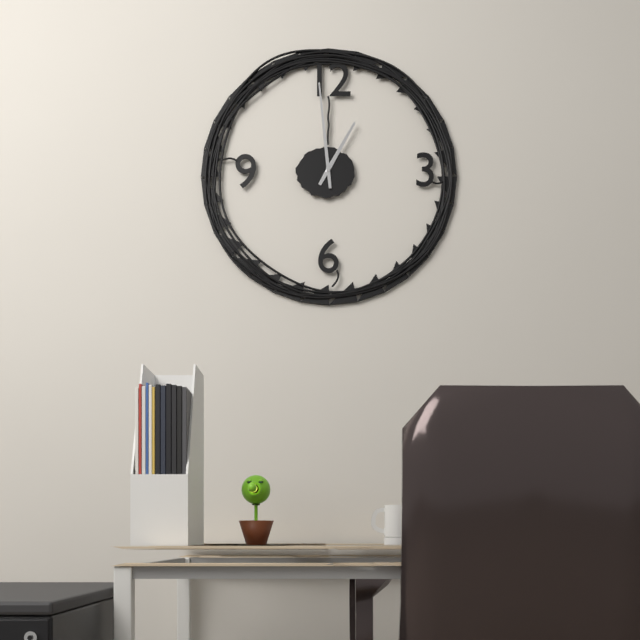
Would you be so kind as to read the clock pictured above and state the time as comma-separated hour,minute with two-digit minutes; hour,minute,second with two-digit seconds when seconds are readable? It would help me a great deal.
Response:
12,59
